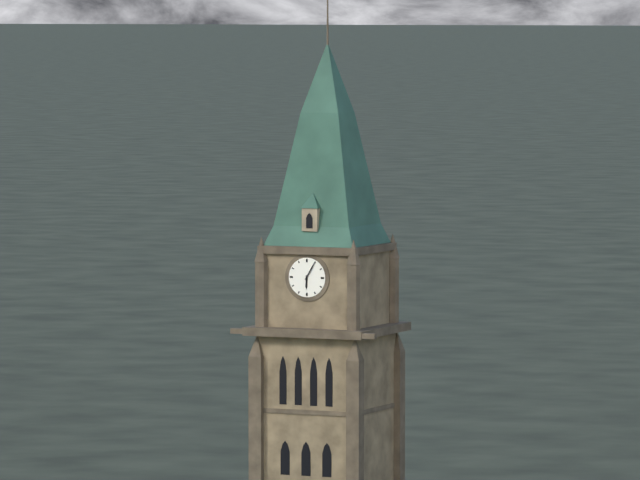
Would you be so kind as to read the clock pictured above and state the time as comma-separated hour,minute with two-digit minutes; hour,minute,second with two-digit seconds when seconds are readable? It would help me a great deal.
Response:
6,05
